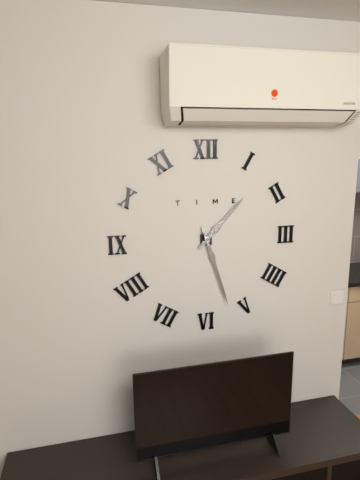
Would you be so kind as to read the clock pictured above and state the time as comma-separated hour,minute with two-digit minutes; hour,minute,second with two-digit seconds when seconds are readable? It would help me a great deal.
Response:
1,27
